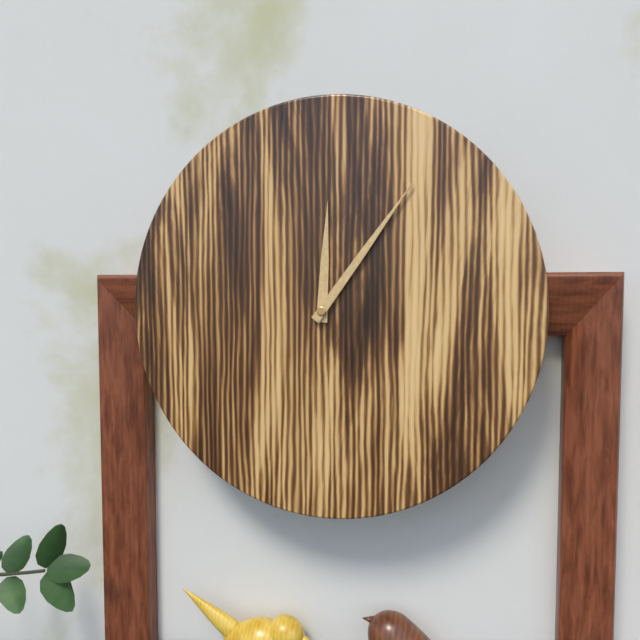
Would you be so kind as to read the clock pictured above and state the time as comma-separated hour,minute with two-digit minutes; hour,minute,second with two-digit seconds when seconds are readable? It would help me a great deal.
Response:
12,06
